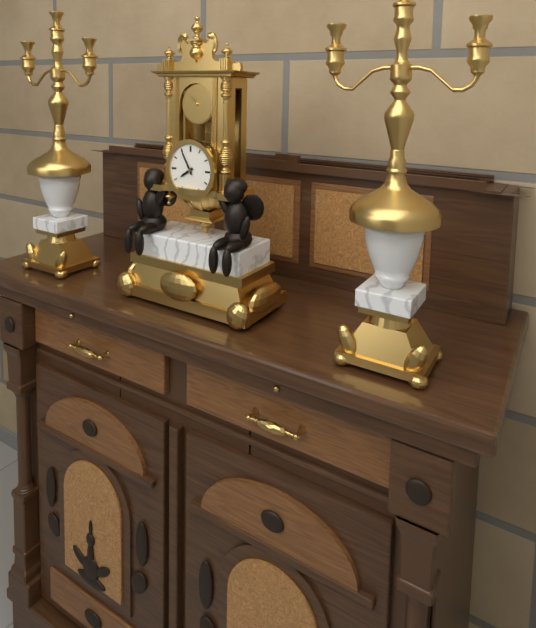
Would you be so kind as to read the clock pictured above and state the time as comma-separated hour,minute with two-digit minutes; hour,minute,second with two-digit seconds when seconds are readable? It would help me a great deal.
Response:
7,55
